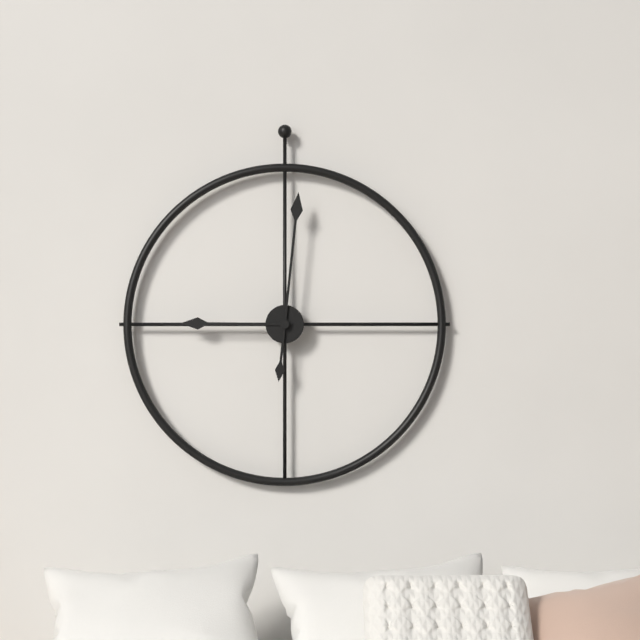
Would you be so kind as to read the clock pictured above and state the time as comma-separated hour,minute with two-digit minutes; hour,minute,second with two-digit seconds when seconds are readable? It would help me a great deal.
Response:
9,01
